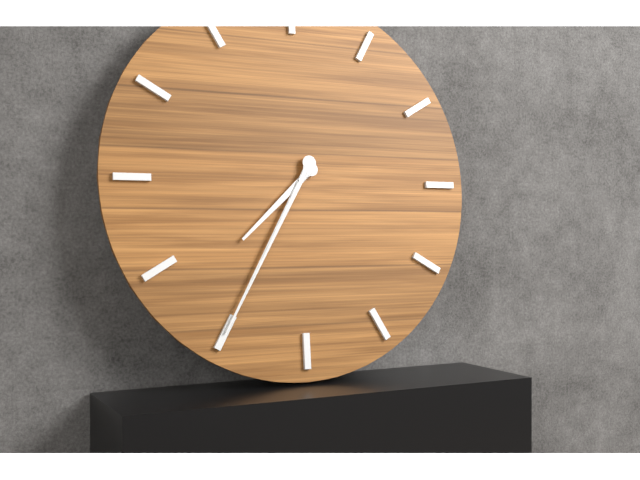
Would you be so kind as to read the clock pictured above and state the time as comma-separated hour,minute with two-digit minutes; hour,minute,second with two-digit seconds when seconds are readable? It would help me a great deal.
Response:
7,35
